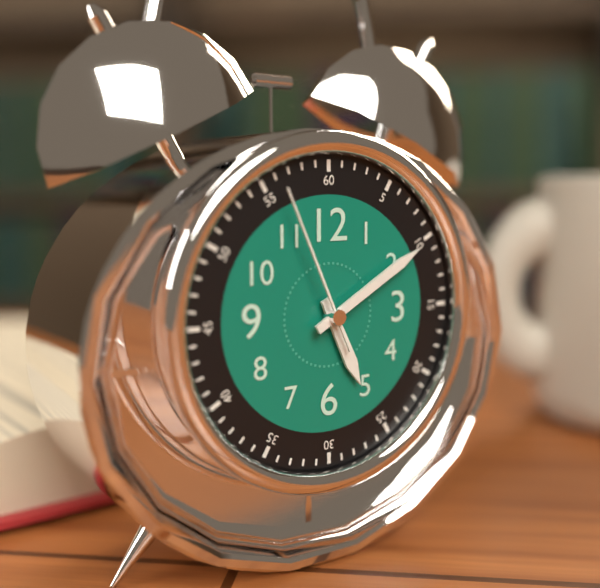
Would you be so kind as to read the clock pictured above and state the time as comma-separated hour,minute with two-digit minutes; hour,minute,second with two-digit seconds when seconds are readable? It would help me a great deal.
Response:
5,10,56
